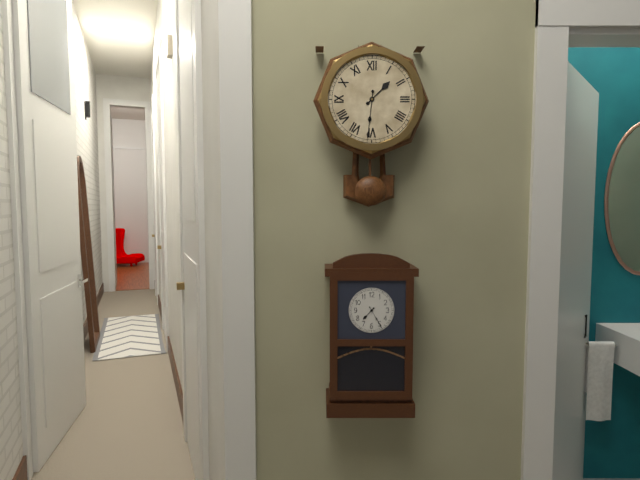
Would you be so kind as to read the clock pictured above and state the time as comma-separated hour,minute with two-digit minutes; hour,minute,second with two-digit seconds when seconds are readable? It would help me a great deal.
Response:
1,31
